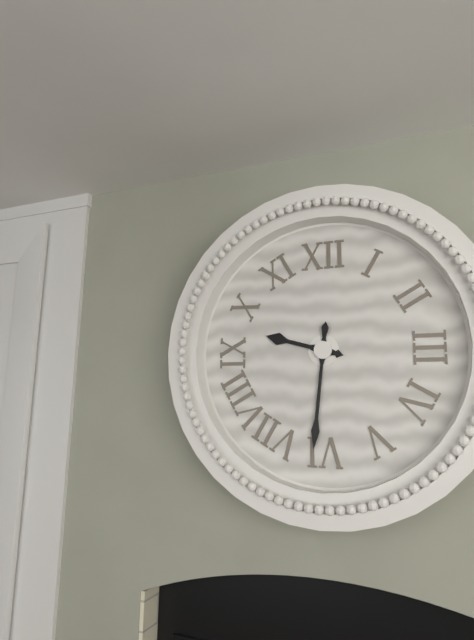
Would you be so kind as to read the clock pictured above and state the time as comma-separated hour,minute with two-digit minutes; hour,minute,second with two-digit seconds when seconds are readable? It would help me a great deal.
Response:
9,31
